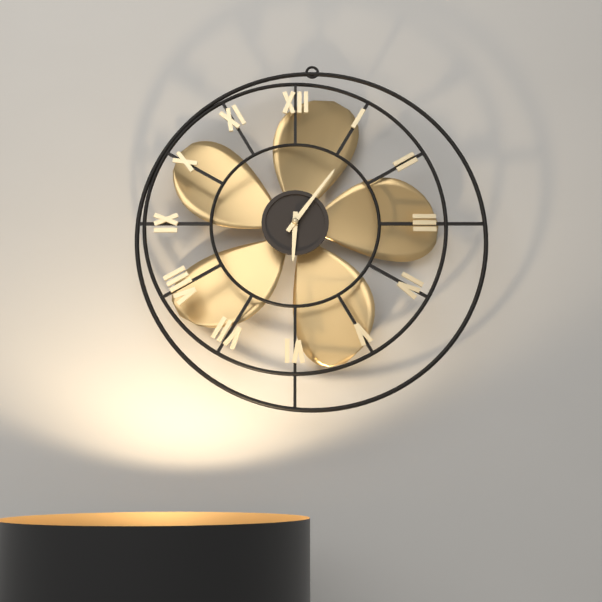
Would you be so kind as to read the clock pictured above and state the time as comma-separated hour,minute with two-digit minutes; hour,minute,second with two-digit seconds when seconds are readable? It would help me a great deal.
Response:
6,06
